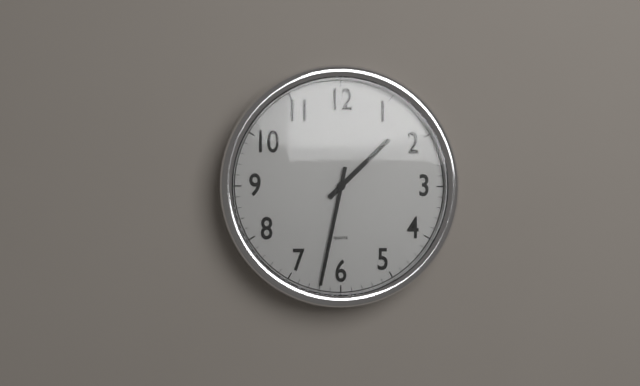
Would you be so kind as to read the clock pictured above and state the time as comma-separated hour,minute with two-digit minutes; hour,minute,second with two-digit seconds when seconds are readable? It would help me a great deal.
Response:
1,32
